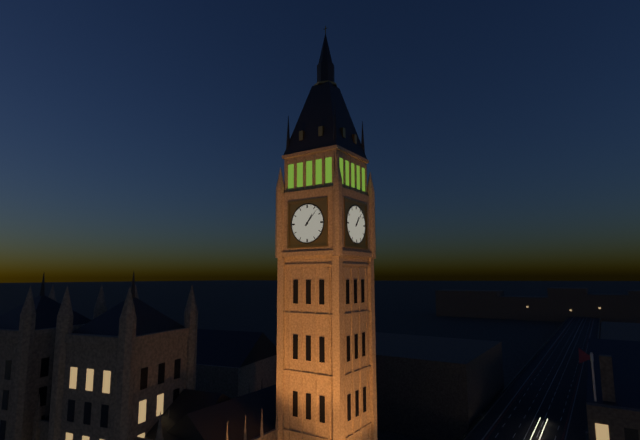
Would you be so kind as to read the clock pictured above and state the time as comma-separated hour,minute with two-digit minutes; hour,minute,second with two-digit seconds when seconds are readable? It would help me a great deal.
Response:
1,07
